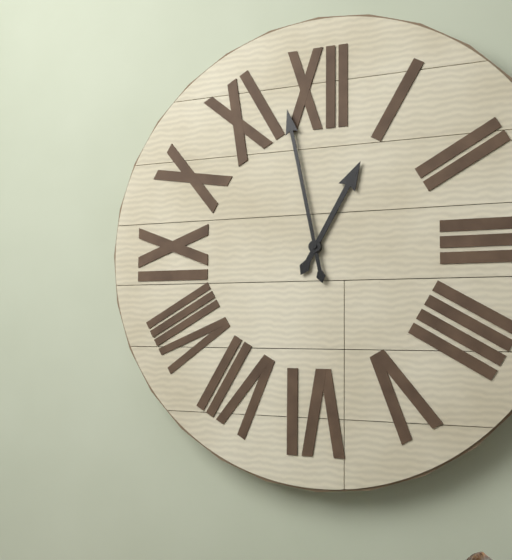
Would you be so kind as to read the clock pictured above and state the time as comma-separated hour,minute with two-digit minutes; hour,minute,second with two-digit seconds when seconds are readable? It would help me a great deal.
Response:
12,58
